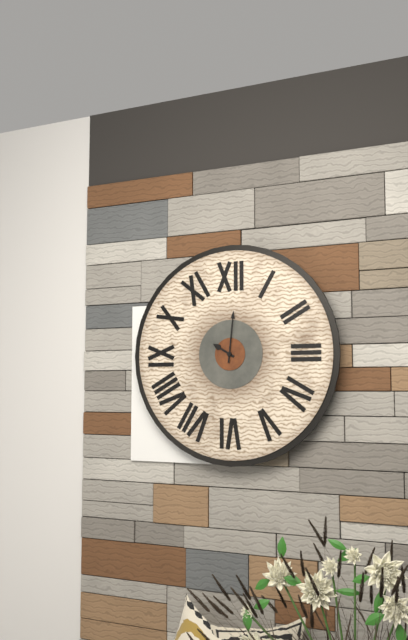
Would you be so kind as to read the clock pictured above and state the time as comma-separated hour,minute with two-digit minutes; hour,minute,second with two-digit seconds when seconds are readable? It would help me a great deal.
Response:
10,01
